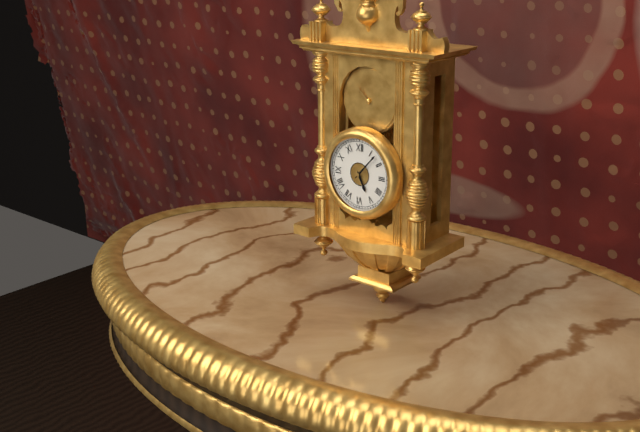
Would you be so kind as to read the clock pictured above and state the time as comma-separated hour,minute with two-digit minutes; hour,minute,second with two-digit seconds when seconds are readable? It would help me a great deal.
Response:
5,07
